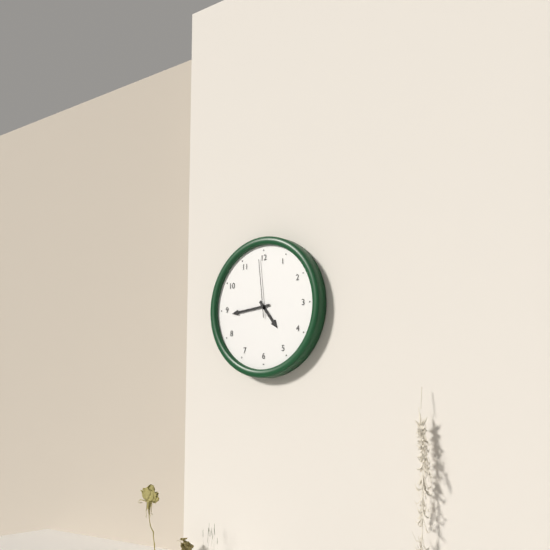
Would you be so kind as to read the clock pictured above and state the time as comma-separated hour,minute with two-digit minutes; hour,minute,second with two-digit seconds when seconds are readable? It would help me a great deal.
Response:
4,44,59
